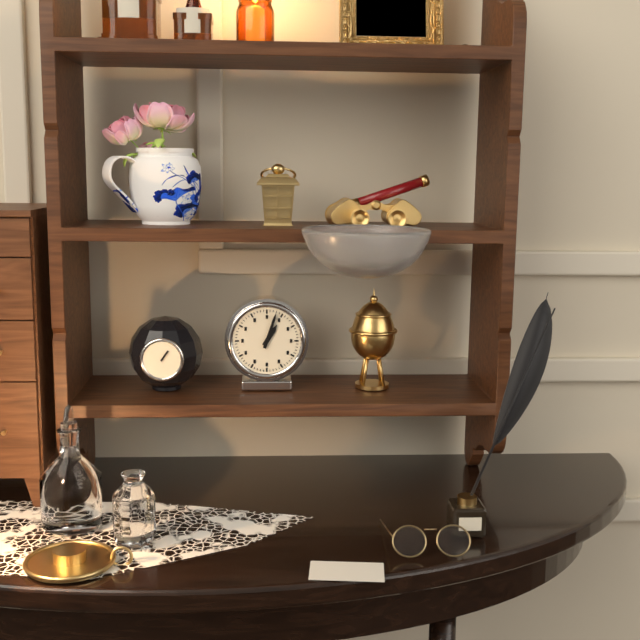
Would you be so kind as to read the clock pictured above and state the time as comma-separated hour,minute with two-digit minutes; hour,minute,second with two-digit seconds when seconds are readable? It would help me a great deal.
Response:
1,03
